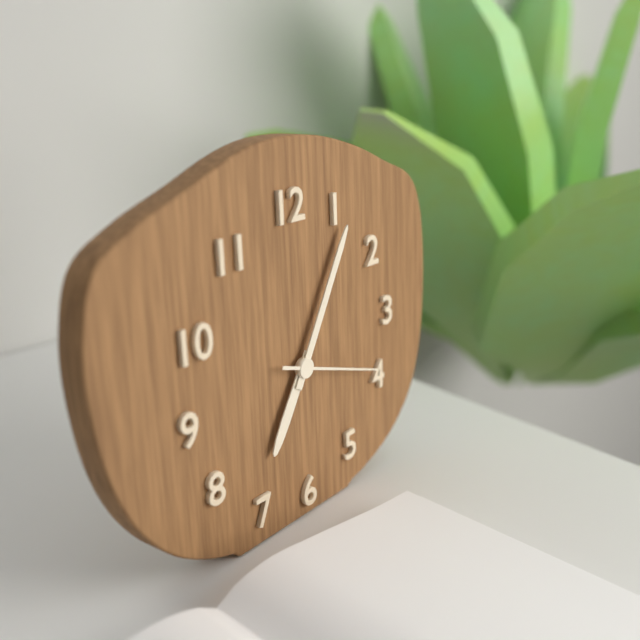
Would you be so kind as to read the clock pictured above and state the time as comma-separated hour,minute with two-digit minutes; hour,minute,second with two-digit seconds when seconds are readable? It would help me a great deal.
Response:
7,05,18
